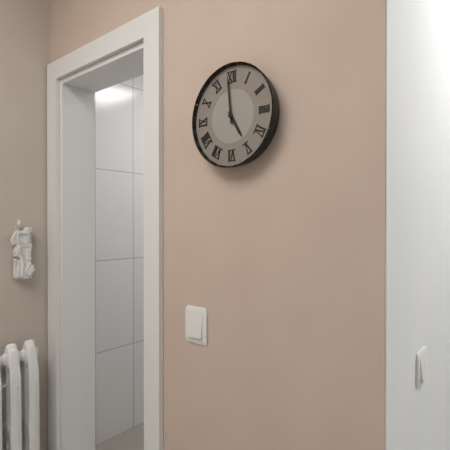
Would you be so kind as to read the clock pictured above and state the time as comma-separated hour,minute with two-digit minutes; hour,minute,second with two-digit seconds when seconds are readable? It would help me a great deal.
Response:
4,59
